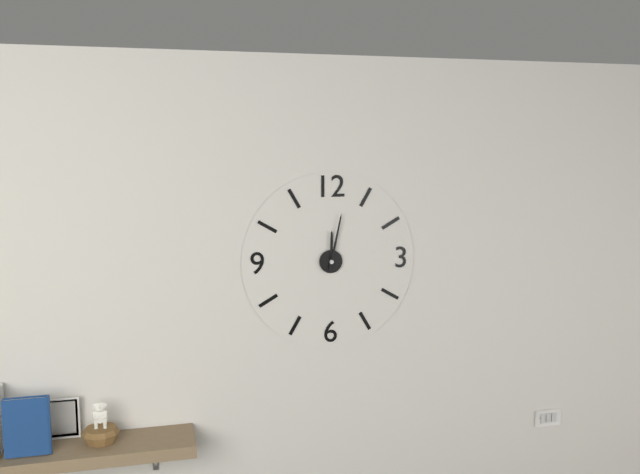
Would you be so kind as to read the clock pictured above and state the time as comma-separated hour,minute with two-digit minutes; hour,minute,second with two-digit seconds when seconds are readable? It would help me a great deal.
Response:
12,02
